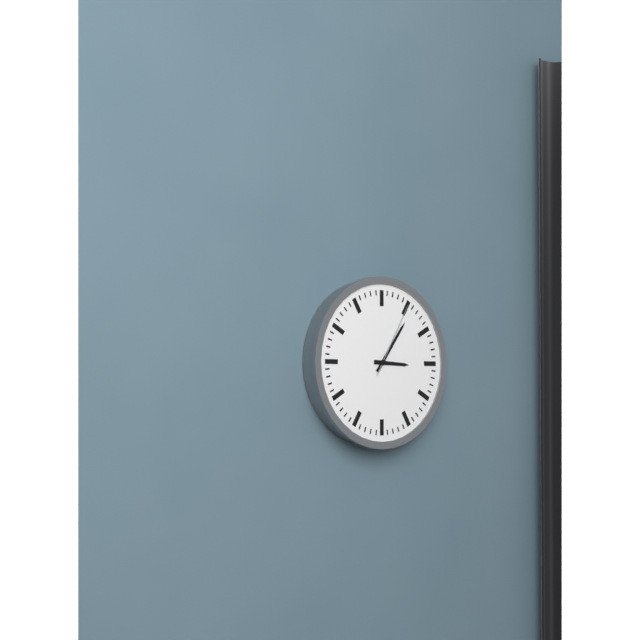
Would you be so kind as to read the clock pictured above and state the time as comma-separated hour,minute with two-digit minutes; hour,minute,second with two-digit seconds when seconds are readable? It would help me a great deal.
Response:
3,06,05
